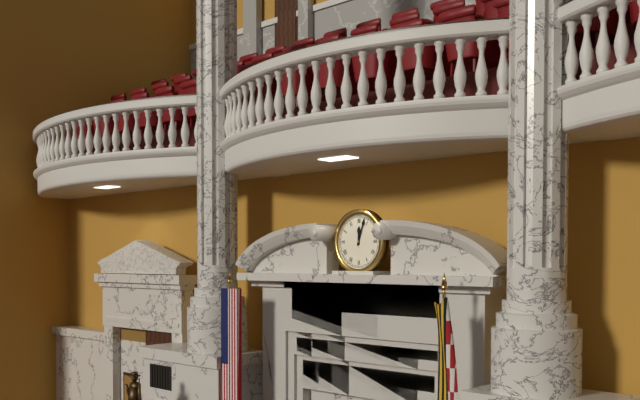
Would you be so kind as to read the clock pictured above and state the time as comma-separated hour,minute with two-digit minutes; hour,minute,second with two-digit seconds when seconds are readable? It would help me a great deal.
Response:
12,03
